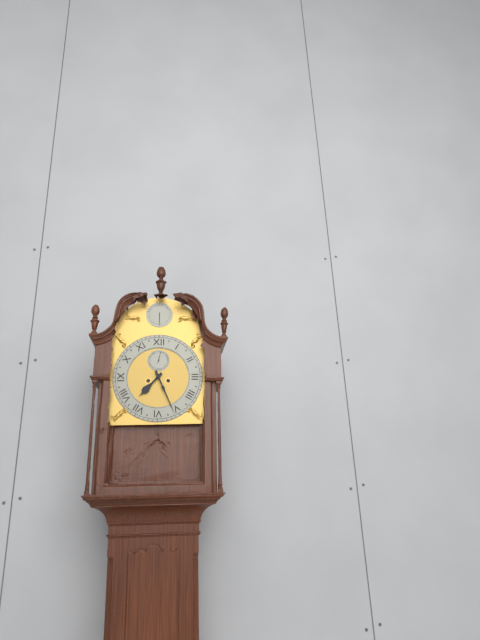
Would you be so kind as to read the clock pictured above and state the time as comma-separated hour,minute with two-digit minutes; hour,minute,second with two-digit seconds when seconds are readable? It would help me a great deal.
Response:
7,26
